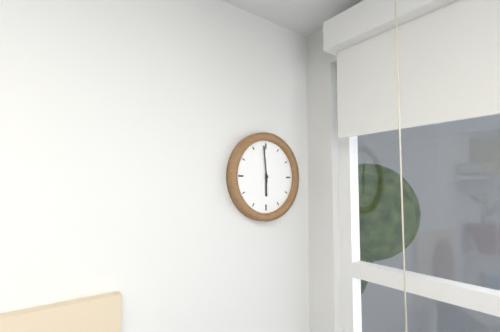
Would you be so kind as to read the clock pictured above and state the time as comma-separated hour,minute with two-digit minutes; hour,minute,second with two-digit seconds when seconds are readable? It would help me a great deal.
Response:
5,59
